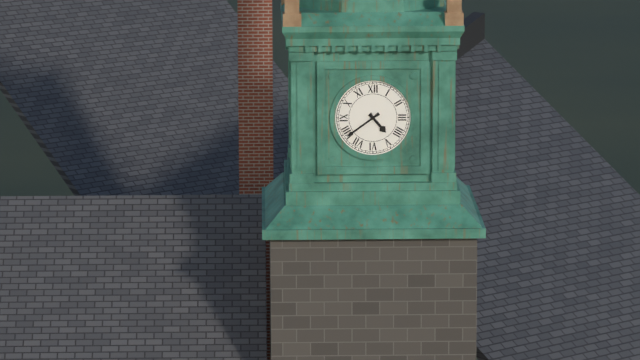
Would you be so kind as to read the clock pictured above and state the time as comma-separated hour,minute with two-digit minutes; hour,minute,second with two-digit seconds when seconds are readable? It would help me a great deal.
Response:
4,39
